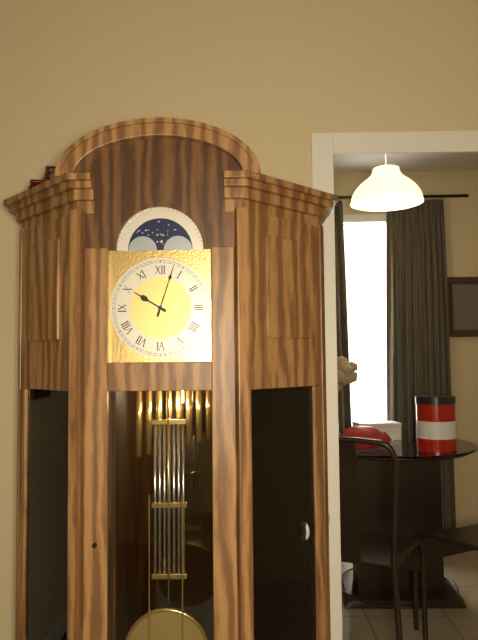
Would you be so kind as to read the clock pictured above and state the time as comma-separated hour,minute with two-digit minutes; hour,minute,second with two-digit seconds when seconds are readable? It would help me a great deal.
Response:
10,03
